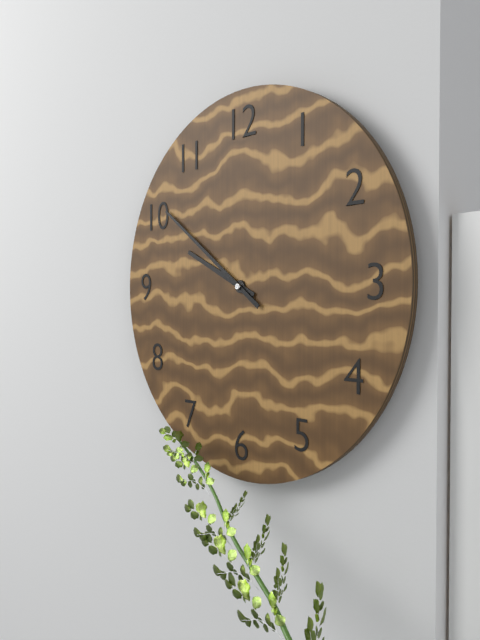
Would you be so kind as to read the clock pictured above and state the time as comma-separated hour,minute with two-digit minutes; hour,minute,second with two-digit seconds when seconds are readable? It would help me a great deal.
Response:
9,51
